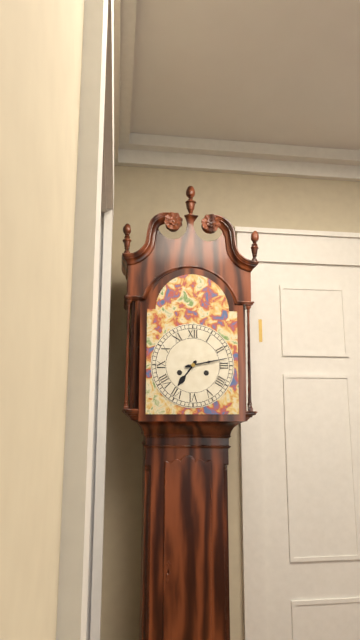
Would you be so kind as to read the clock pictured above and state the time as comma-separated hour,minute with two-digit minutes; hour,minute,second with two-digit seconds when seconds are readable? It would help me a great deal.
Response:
7,13
